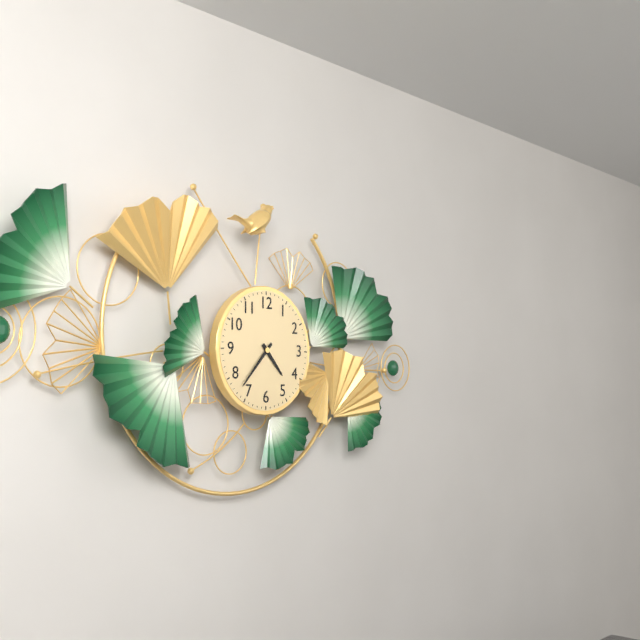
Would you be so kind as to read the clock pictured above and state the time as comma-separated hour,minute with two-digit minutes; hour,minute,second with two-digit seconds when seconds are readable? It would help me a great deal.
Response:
4,37
